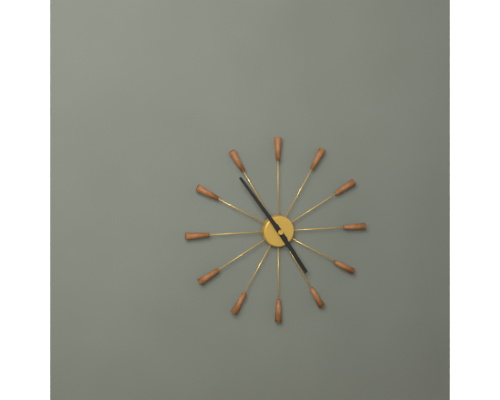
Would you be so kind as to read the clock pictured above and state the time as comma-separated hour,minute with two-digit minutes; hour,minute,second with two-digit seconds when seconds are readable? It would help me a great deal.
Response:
4,54
